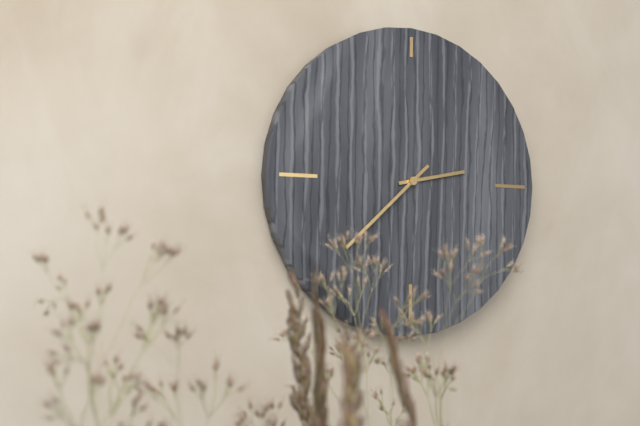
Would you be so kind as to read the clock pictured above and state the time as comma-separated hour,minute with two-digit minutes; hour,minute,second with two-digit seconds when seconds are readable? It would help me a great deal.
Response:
2,38
